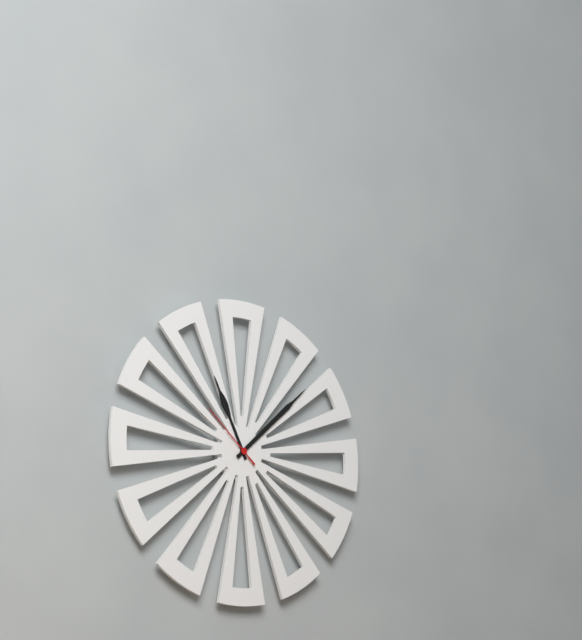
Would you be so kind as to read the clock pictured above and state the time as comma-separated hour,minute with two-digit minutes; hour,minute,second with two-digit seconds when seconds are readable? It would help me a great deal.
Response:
11,08,52
